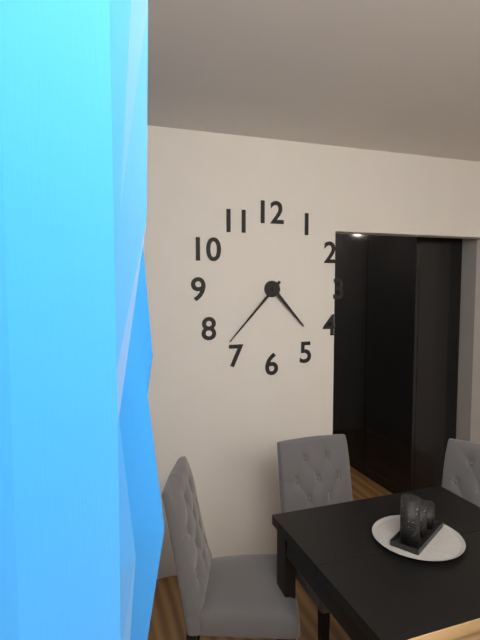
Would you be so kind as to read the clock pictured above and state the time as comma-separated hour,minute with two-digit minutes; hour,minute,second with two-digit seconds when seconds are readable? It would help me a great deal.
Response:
4,37
